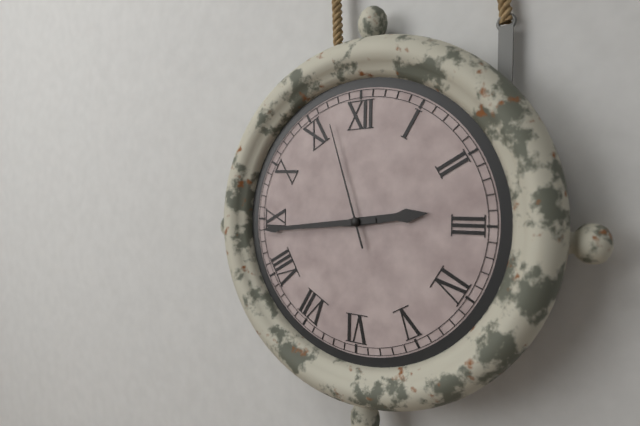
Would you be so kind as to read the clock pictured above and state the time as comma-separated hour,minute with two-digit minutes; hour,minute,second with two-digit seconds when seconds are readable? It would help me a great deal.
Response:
2,44,57
